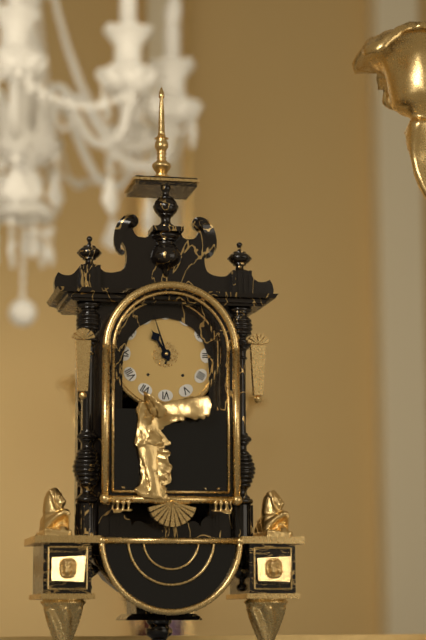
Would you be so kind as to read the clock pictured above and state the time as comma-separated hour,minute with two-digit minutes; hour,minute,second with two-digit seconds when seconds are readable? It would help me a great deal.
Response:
10,57
